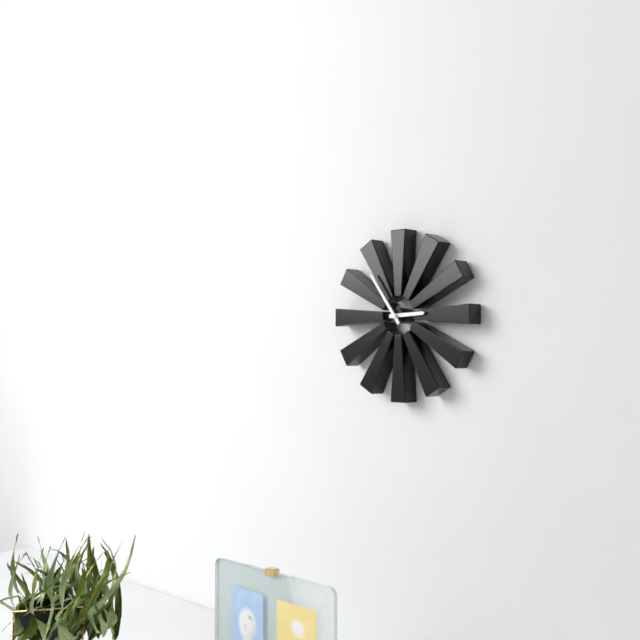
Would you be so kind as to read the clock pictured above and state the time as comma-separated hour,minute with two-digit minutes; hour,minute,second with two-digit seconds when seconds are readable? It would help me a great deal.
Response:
2,54
